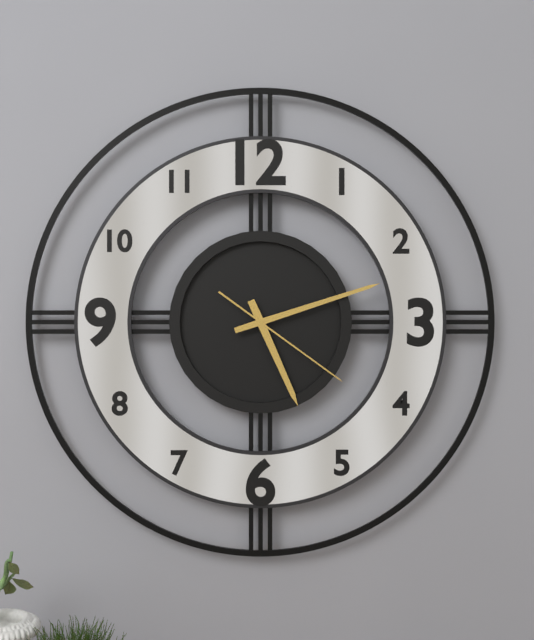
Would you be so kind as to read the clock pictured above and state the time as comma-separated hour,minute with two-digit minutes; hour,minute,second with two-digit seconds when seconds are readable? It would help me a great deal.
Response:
5,12,21
